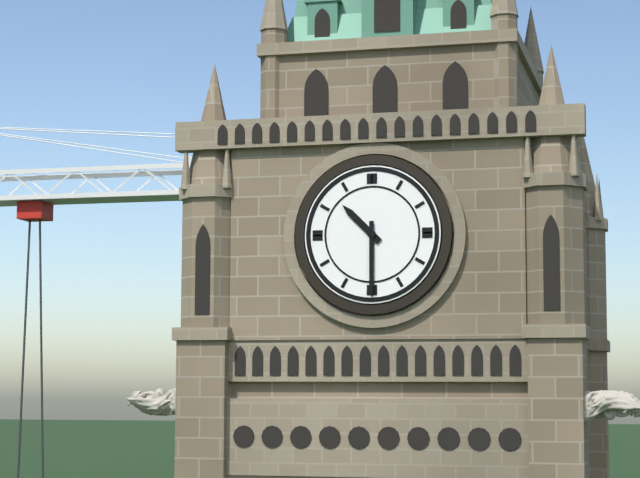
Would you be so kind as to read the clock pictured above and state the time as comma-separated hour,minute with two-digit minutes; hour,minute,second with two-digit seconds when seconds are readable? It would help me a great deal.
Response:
10,30
